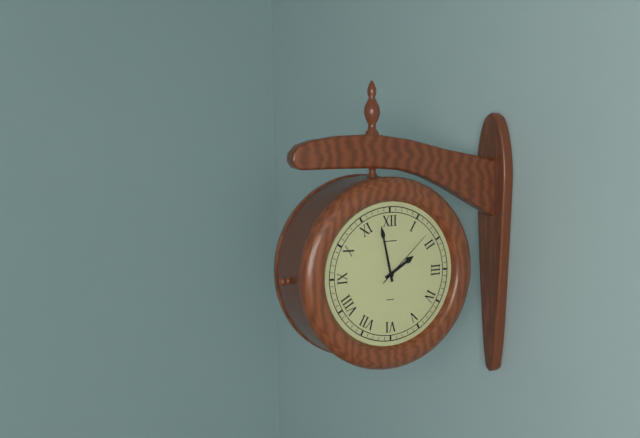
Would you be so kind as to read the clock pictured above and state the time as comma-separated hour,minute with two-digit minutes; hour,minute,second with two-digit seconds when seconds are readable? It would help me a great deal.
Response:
1,58,08
